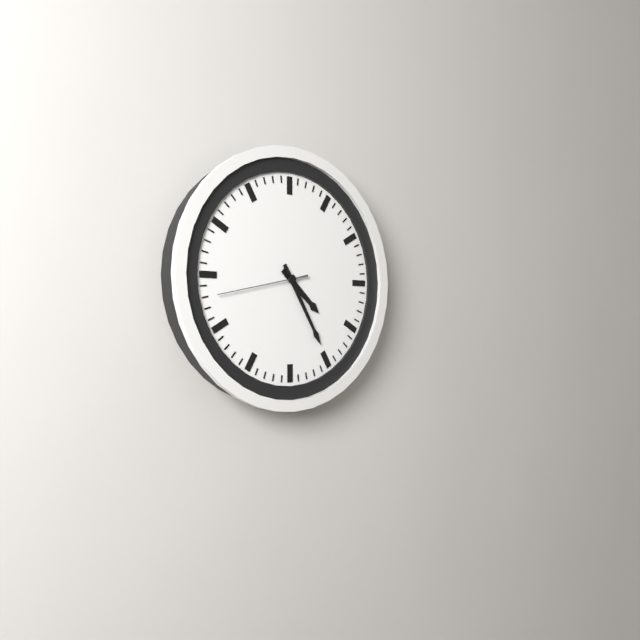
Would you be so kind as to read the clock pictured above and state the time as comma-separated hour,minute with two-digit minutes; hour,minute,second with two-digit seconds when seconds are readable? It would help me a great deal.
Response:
4,25,43
